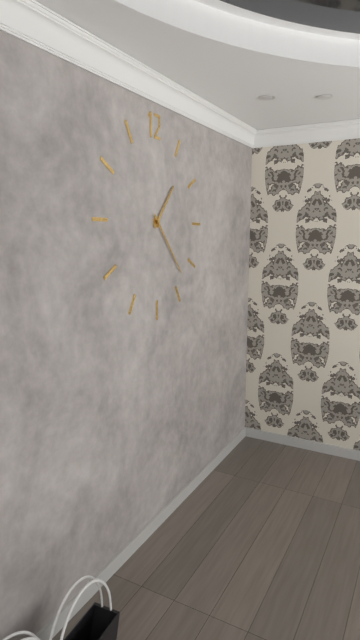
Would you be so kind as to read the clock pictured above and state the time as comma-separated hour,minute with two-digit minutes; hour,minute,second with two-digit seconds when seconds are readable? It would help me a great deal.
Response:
1,23
